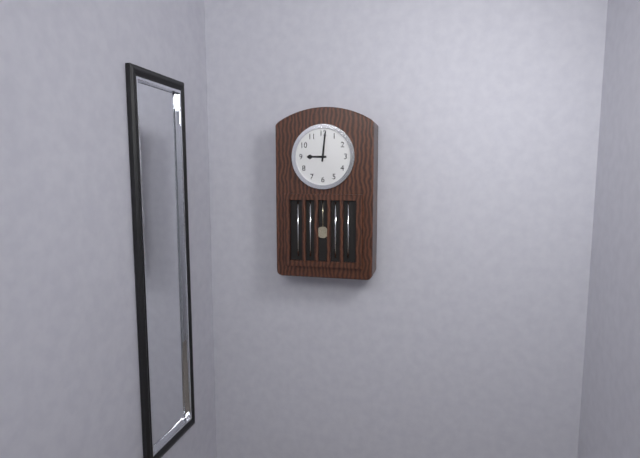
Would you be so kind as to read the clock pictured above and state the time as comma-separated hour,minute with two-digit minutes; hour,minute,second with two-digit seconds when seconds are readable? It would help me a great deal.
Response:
9,01
